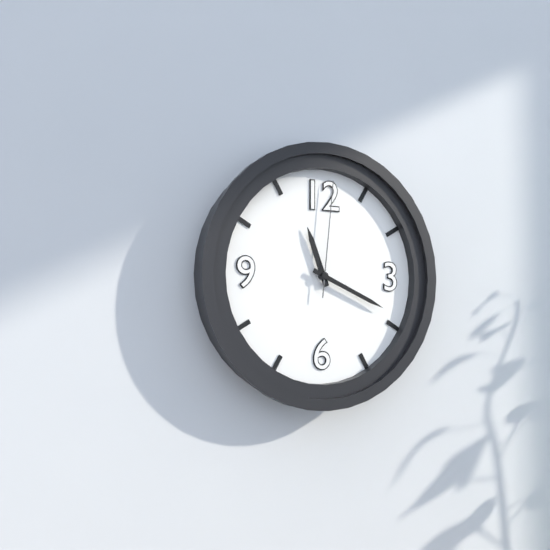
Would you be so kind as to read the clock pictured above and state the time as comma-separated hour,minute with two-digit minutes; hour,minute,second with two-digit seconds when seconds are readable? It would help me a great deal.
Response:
11,19,01
